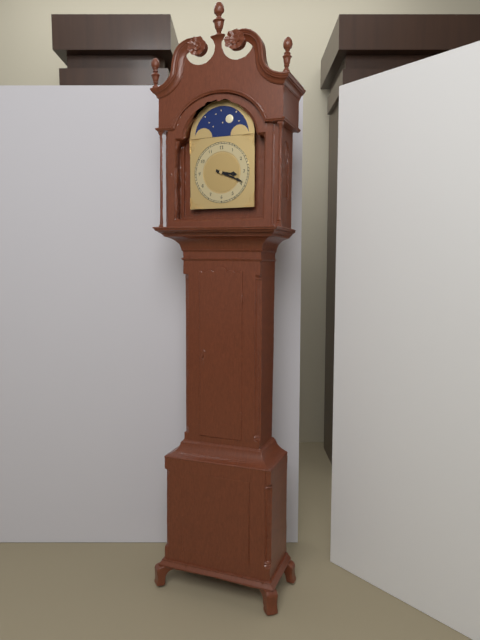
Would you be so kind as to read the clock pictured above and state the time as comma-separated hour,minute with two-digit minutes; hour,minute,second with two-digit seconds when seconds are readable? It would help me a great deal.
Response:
3,19
